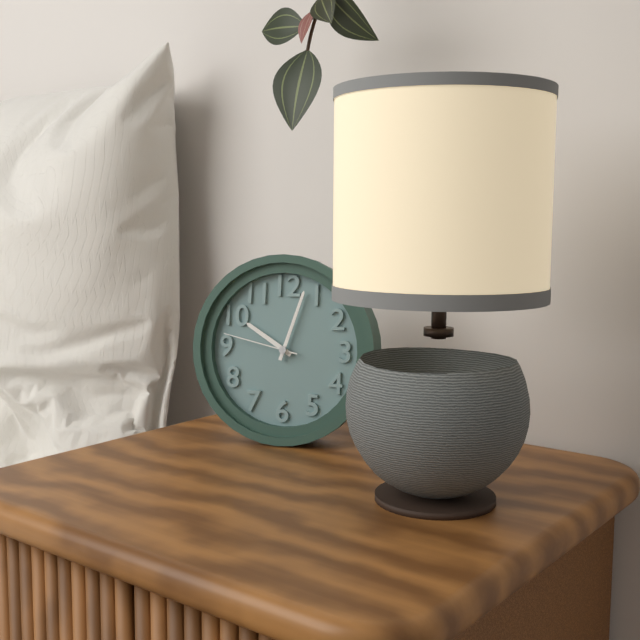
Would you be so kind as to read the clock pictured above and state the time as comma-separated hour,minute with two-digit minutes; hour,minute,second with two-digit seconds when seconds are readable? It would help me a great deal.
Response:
10,03,47
